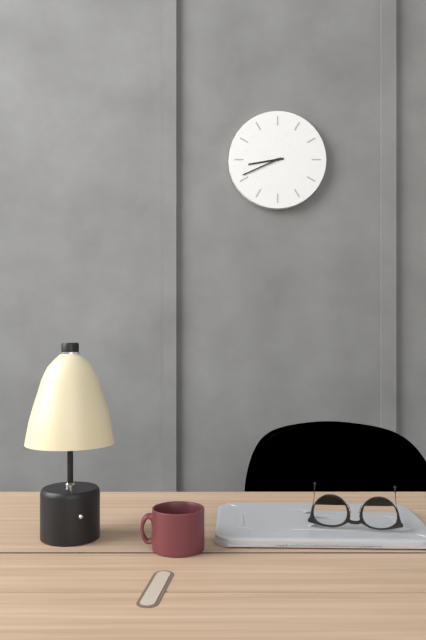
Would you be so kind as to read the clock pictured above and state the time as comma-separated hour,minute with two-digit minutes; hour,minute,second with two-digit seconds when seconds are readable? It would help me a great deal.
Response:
8,41
